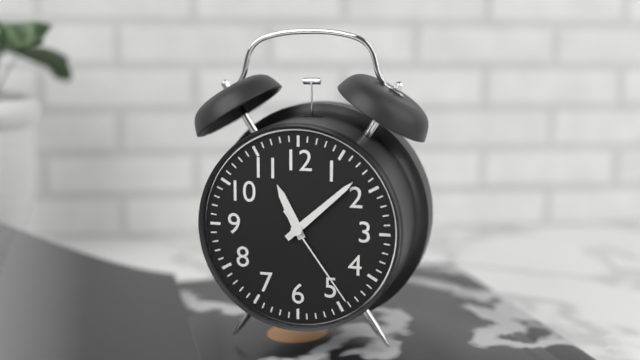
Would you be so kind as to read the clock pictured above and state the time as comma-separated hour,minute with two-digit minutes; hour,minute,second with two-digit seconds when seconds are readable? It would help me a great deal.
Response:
11,08,24
